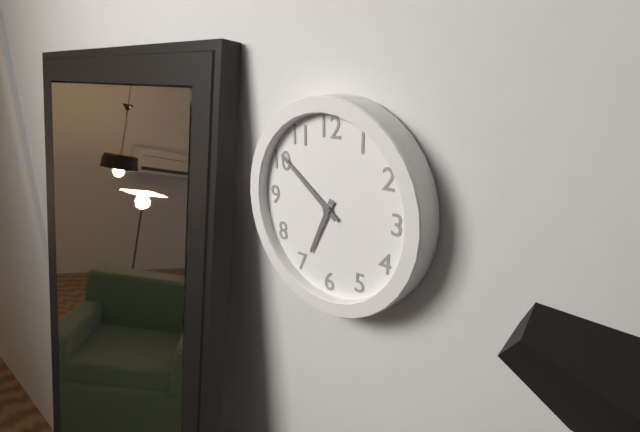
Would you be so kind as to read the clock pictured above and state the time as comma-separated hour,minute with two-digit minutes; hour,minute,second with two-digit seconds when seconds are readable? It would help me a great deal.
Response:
6,51
